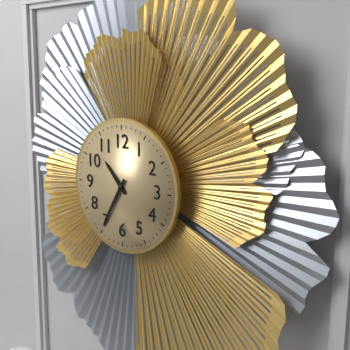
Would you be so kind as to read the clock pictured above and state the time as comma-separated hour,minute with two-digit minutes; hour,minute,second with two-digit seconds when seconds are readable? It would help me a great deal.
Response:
10,35
